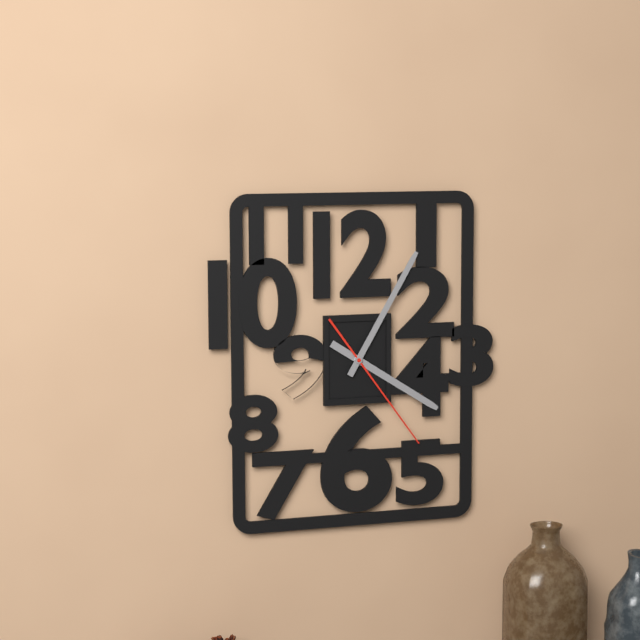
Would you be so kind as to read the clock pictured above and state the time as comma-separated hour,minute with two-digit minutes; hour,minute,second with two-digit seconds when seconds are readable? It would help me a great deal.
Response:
4,05,24
